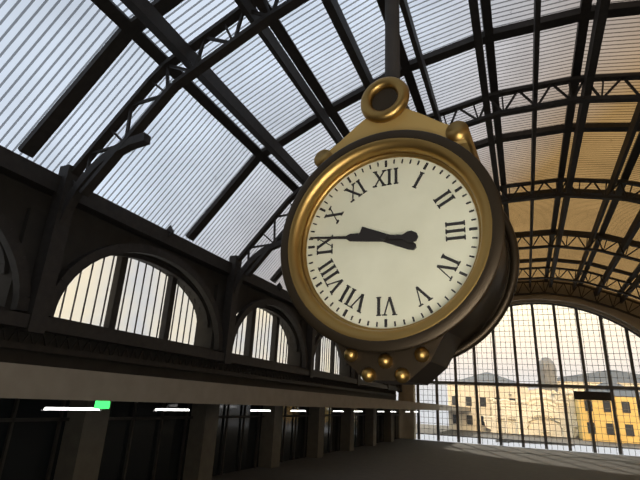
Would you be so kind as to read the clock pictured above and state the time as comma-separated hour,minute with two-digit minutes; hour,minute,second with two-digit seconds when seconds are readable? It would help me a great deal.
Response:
3,46
